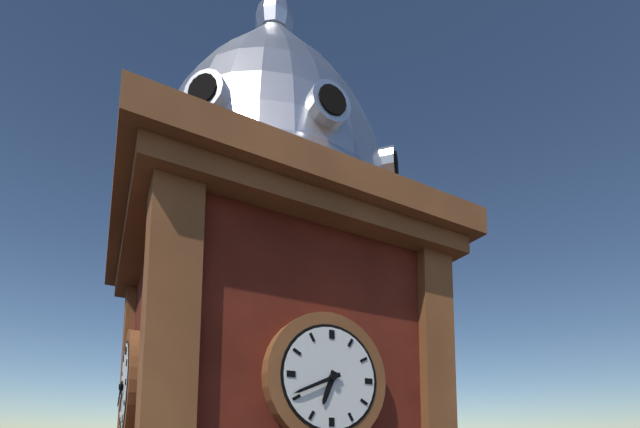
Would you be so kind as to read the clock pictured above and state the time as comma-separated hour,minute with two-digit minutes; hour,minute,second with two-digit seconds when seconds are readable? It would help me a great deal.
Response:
6,41
